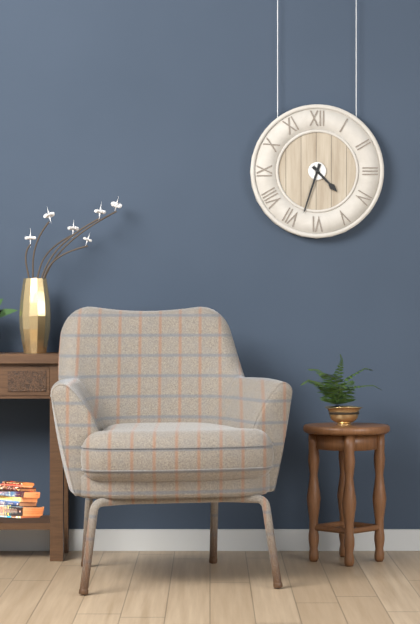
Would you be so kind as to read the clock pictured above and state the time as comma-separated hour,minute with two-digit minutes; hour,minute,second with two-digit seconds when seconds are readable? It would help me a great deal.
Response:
4,33
